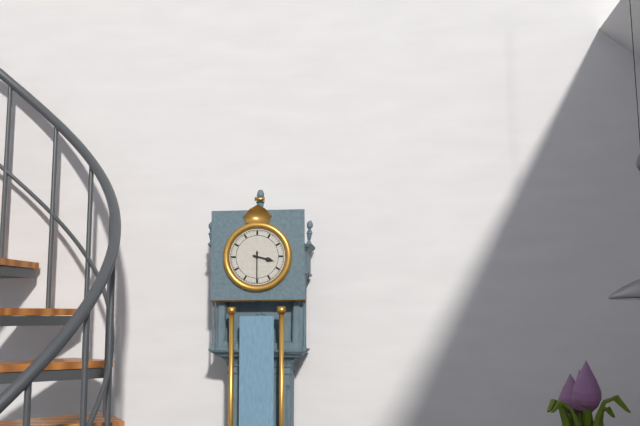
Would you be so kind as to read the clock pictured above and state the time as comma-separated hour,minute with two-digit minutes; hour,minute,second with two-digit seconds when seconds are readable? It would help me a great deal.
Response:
3,30
